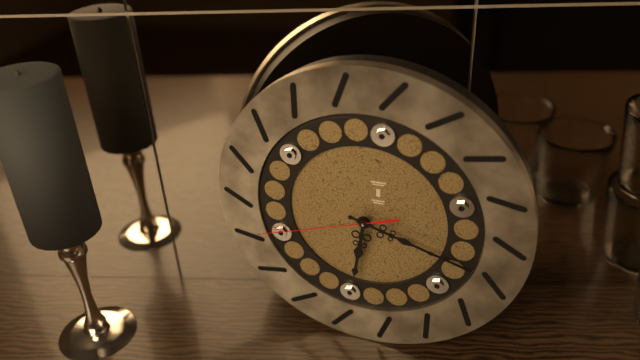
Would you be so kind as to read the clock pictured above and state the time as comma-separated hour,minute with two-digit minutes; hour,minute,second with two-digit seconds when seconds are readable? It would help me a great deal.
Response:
6,18,42
